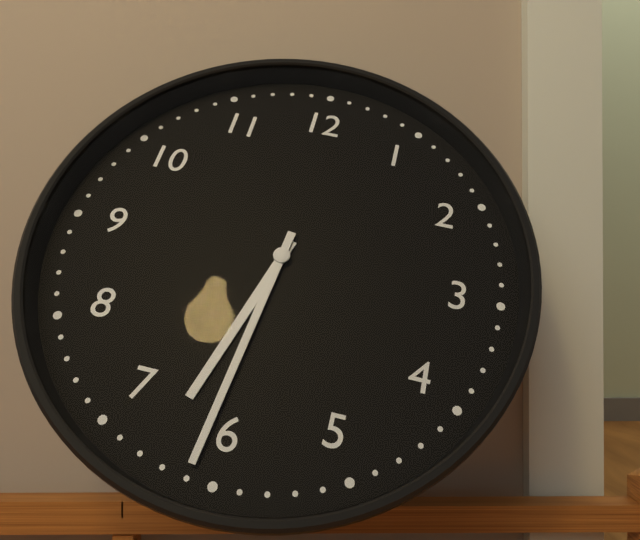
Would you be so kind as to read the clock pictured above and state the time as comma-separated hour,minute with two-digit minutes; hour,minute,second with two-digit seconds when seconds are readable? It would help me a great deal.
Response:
6,31
